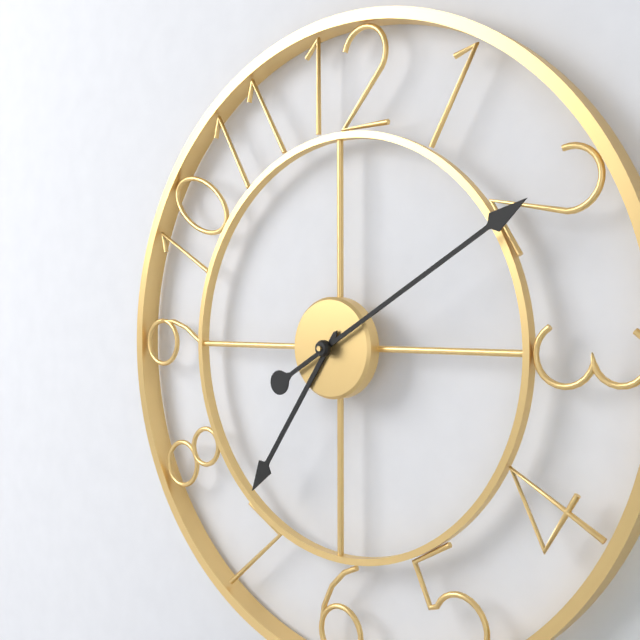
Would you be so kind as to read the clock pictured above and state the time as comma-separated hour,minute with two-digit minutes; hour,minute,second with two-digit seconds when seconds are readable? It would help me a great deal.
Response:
7,10
